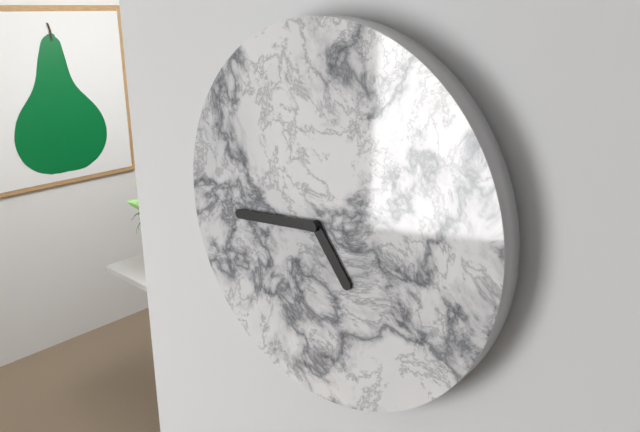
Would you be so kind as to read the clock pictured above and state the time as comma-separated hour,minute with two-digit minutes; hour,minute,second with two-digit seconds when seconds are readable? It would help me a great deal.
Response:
4,44
